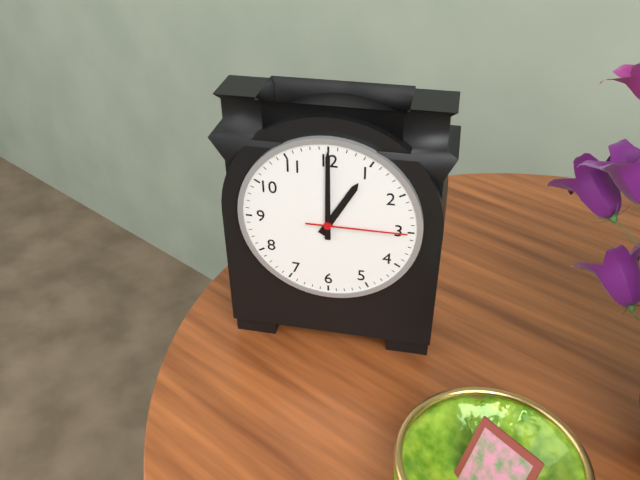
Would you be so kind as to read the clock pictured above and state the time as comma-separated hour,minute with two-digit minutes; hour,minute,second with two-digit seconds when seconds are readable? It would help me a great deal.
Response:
1,00,15
